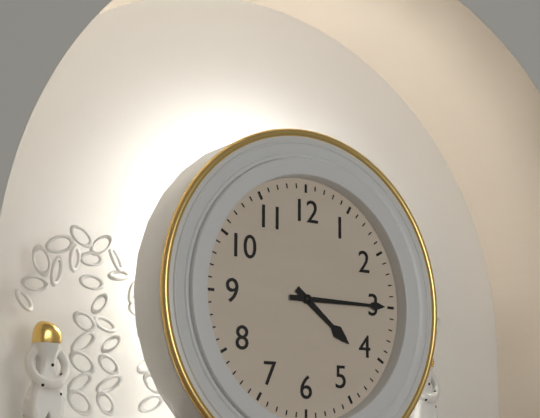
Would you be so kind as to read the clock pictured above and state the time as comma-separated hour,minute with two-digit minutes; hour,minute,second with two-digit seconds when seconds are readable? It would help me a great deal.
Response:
4,15
